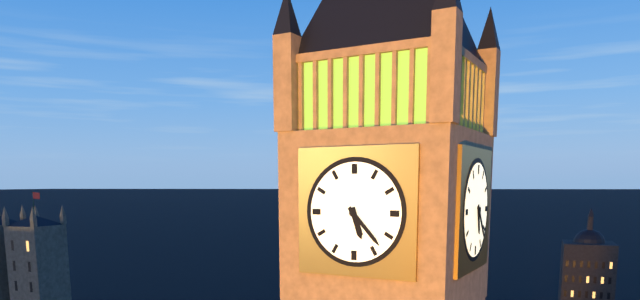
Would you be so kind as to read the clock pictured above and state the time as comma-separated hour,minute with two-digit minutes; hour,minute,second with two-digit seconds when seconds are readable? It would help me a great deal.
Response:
5,23
